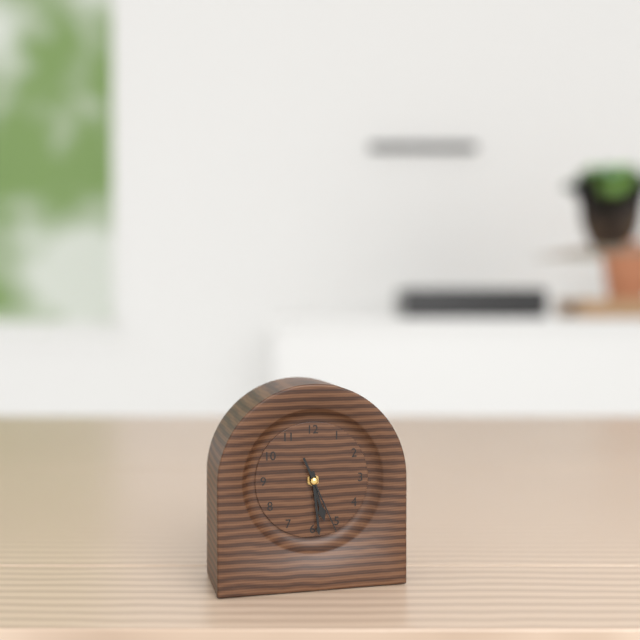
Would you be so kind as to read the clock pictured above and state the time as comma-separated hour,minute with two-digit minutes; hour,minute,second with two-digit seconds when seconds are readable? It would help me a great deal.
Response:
5,29,26
